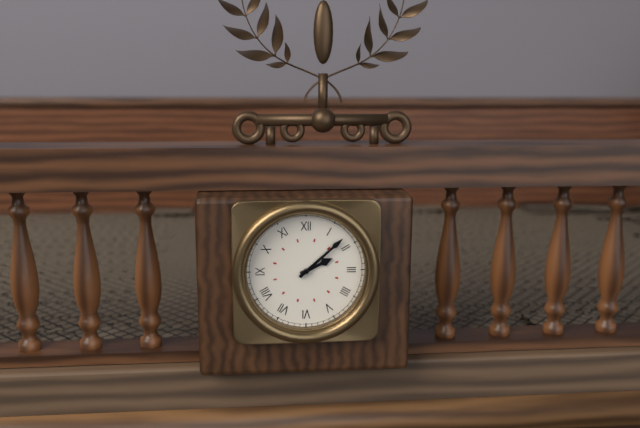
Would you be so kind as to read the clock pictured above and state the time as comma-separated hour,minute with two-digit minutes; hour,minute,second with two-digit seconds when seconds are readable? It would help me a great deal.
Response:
2,08
